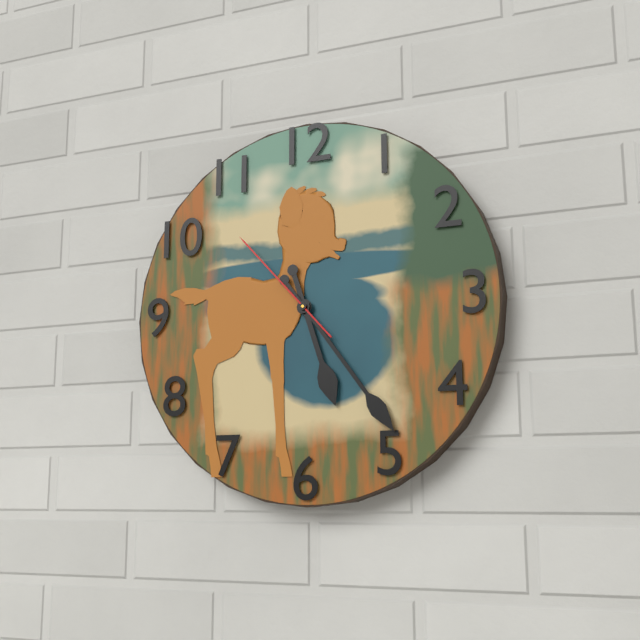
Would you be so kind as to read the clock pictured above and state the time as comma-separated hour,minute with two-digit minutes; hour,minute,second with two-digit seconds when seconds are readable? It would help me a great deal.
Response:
5,24,53
